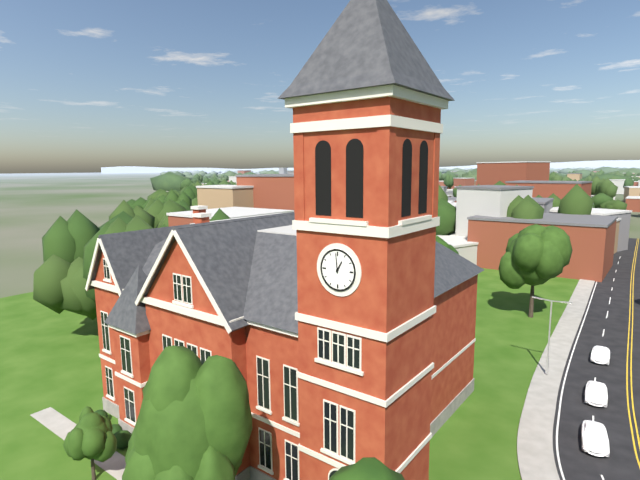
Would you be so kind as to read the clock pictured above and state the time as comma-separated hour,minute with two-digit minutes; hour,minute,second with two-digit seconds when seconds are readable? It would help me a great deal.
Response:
12,59
